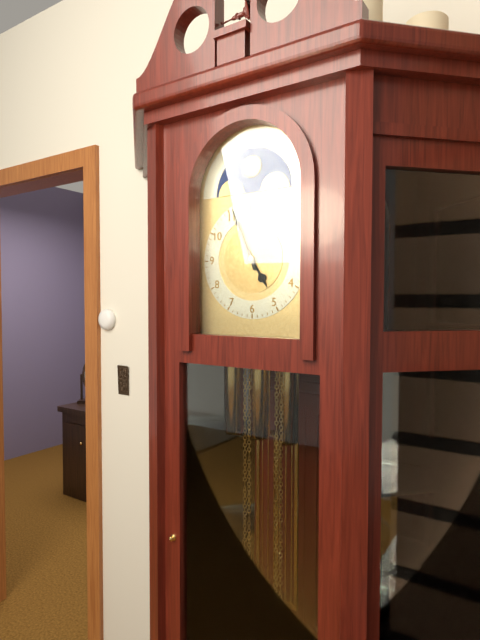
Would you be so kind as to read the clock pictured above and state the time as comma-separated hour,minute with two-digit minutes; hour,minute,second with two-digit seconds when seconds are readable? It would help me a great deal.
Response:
4,56
